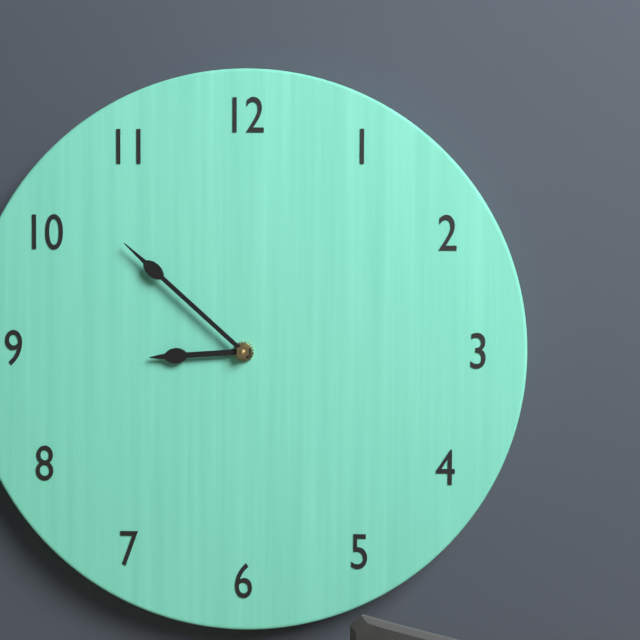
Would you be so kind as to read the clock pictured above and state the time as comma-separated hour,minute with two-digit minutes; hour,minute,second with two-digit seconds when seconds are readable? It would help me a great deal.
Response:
8,52
